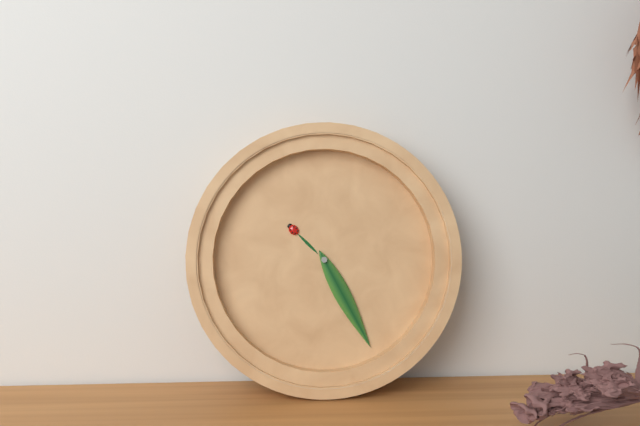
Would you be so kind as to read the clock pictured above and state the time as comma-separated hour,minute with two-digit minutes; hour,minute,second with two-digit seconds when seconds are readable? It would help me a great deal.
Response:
10,25
